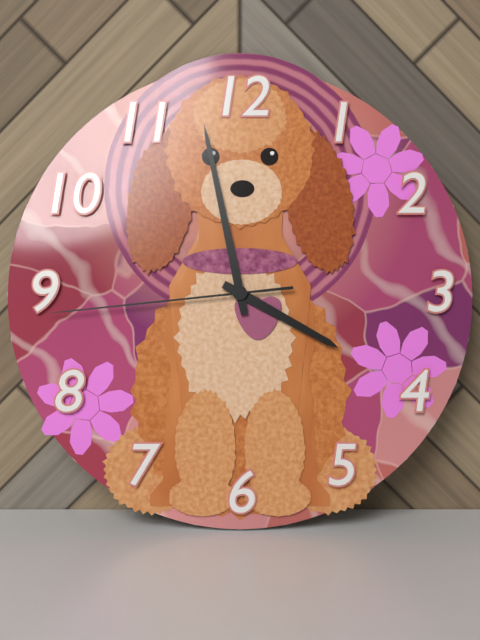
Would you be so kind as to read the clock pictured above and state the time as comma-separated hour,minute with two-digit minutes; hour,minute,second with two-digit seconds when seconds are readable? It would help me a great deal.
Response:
3,58,44
